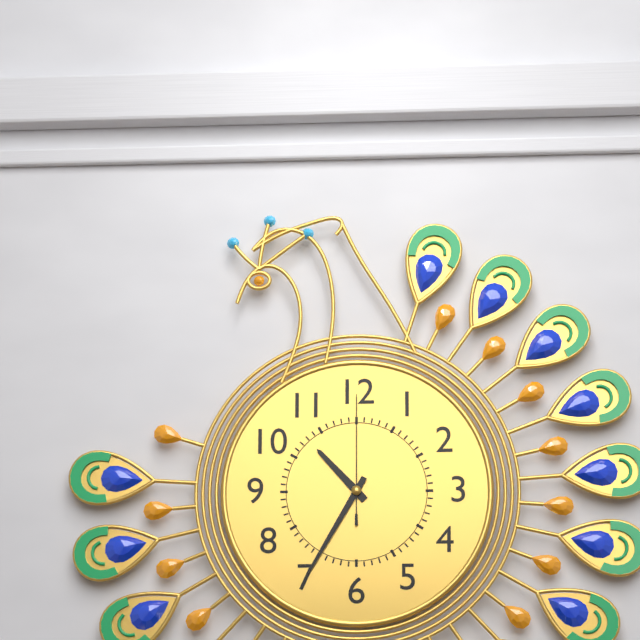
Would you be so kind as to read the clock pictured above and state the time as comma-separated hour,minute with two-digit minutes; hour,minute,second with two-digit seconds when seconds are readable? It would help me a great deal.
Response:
10,35,00
